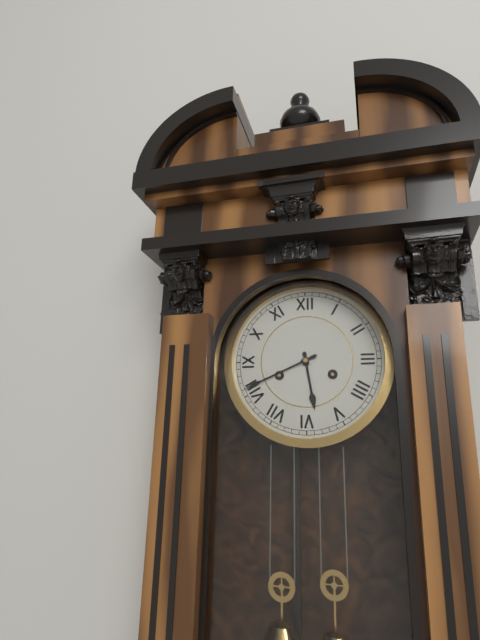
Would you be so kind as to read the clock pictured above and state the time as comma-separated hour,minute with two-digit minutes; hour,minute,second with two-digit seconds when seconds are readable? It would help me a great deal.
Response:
5,41
